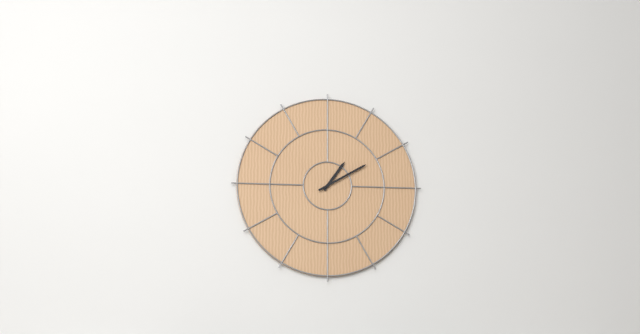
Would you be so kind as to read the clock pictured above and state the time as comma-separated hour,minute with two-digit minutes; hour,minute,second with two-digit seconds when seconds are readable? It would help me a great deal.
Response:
1,10
